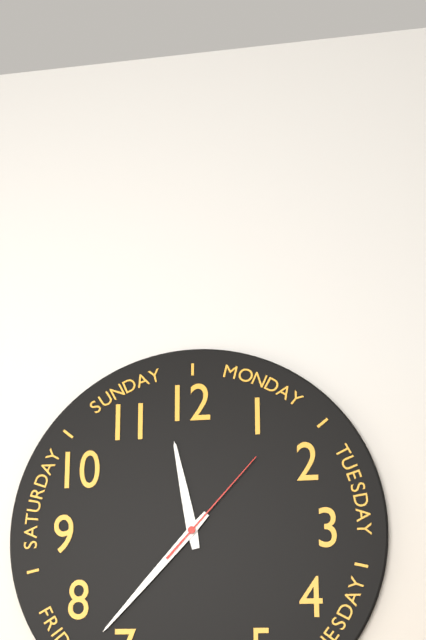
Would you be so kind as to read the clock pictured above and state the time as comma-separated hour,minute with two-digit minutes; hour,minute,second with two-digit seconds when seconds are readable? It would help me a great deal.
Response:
11,37,07
